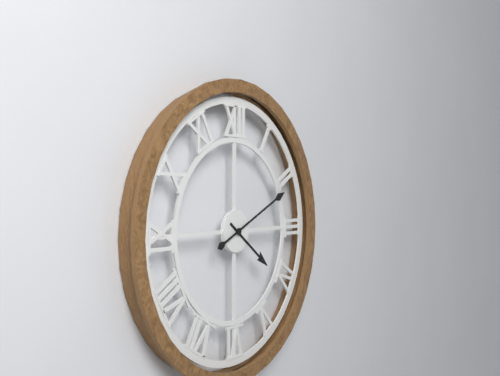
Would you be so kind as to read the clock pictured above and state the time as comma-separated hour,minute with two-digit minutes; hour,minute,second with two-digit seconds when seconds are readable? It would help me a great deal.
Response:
4,11
